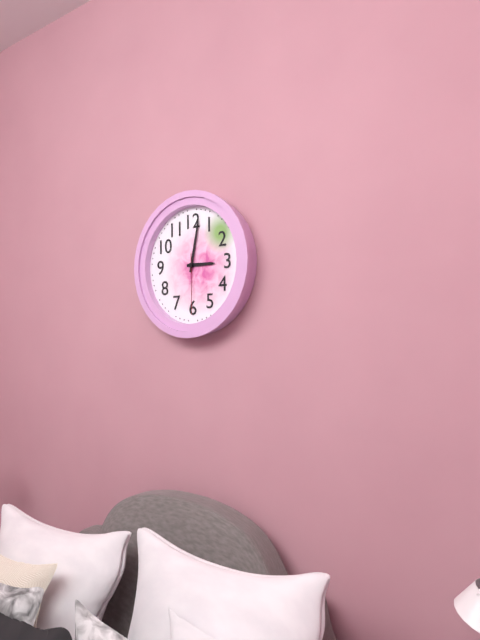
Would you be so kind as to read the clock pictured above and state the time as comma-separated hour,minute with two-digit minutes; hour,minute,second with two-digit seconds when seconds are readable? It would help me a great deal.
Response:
3,02,30
